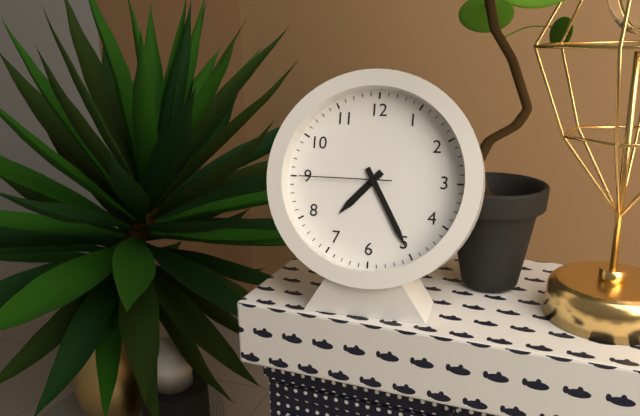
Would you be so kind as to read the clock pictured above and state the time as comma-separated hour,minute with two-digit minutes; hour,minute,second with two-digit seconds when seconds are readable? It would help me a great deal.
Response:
7,25,45
